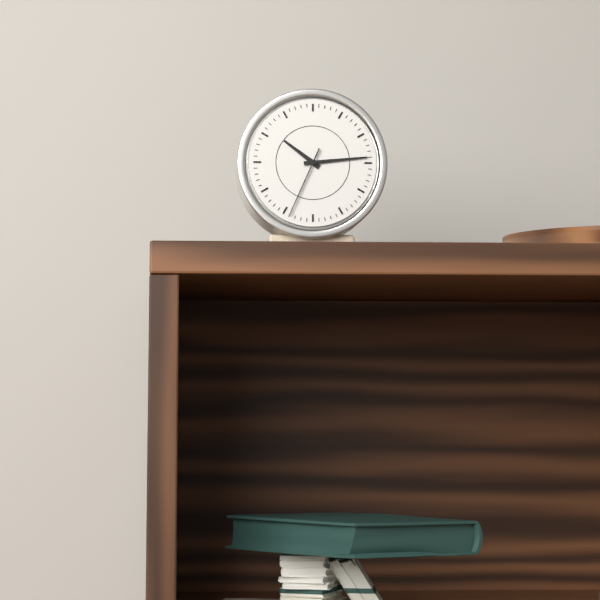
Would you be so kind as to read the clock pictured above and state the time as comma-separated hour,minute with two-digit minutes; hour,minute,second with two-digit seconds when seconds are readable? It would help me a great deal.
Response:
10,14,34
